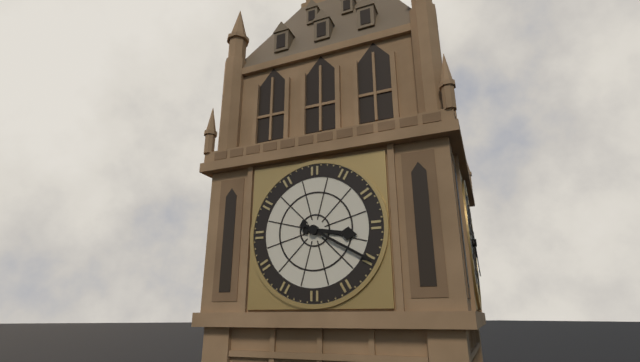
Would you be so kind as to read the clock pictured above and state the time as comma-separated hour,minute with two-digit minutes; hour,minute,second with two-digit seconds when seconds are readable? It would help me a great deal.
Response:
3,20
